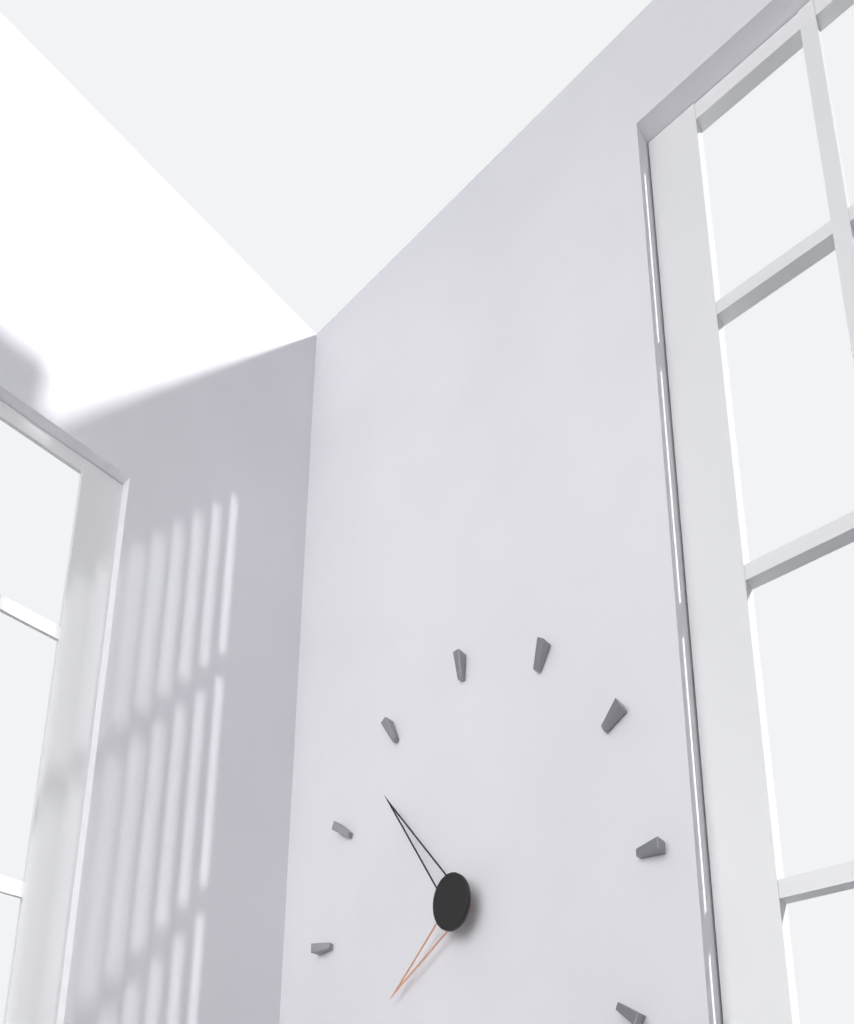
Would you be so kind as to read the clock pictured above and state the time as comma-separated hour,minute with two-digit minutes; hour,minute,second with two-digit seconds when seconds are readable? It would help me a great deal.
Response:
7,53
